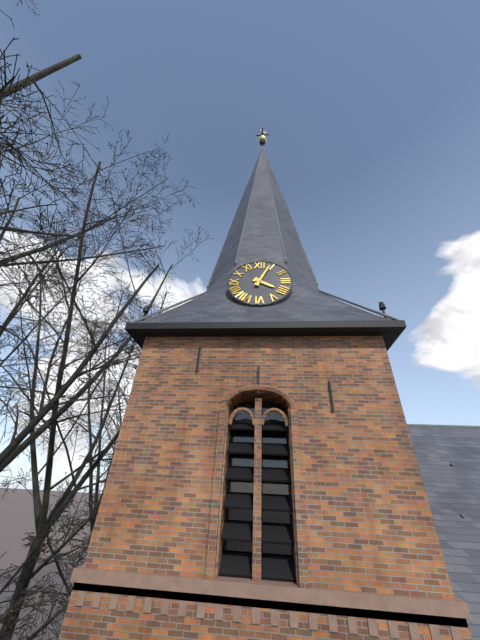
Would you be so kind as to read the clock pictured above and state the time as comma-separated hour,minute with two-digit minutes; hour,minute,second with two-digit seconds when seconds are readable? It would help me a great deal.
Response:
4,04
